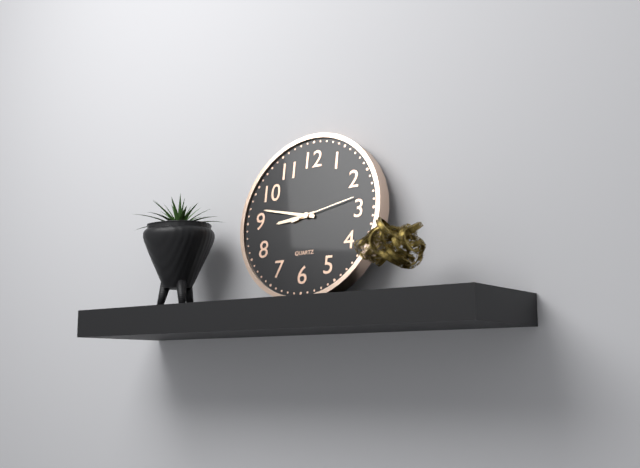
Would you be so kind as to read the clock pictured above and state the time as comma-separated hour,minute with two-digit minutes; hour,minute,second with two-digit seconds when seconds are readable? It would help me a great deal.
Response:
8,47,13
